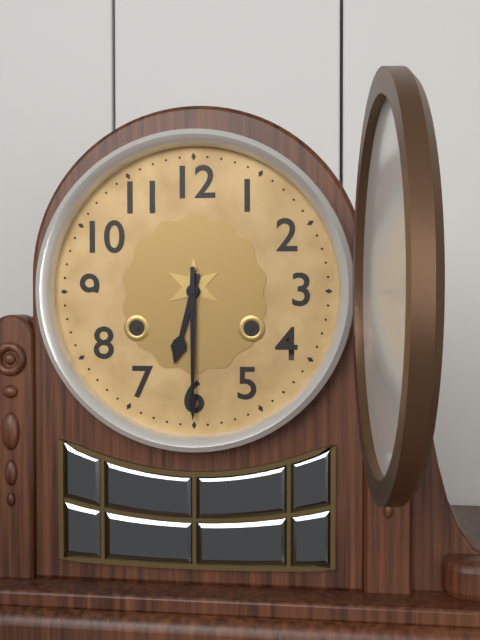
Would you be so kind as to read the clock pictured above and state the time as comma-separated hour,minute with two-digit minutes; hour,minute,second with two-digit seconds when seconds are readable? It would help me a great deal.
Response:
6,30
